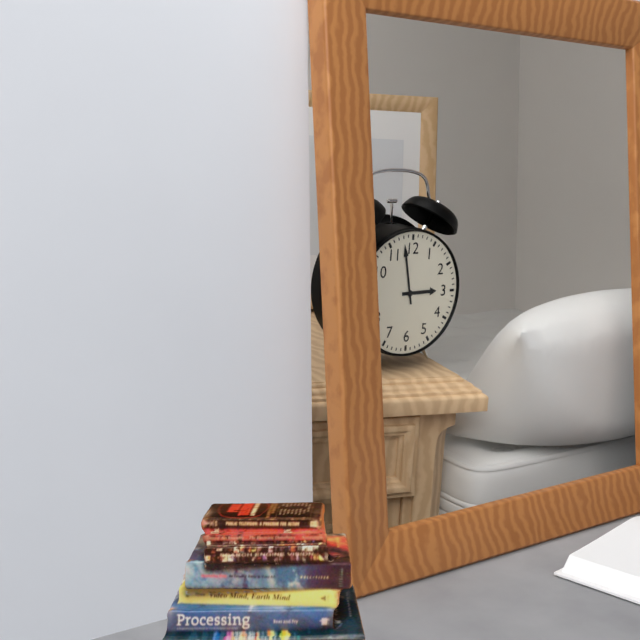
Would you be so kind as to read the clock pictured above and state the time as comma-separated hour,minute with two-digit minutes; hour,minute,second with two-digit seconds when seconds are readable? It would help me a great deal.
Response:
2,58
